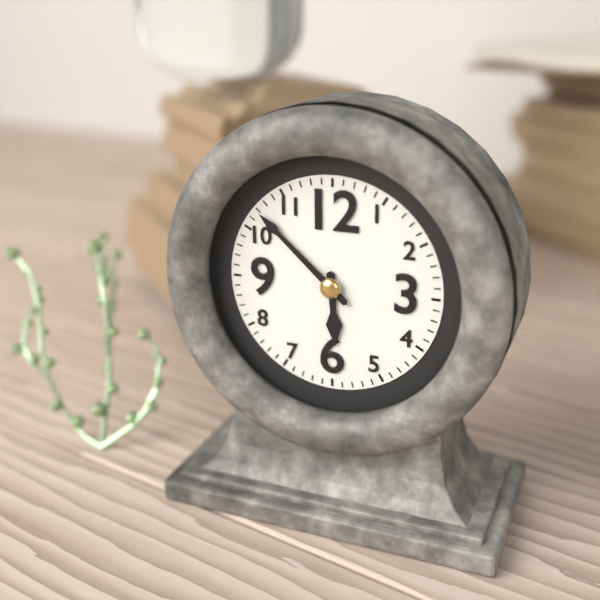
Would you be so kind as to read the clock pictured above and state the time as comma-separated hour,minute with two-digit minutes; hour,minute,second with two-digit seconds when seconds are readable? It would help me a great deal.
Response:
5,52
